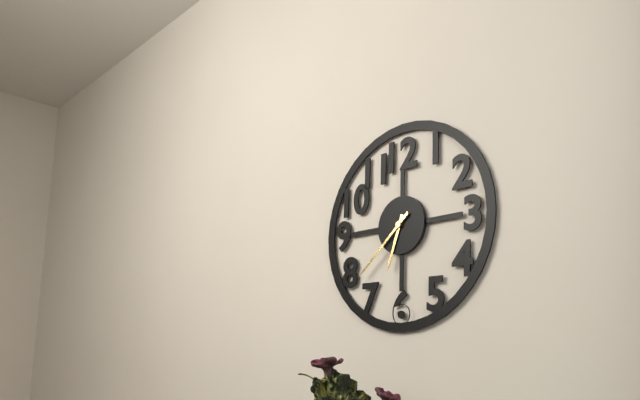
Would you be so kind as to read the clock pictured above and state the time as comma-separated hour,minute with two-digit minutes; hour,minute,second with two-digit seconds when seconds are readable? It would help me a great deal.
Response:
6,38
